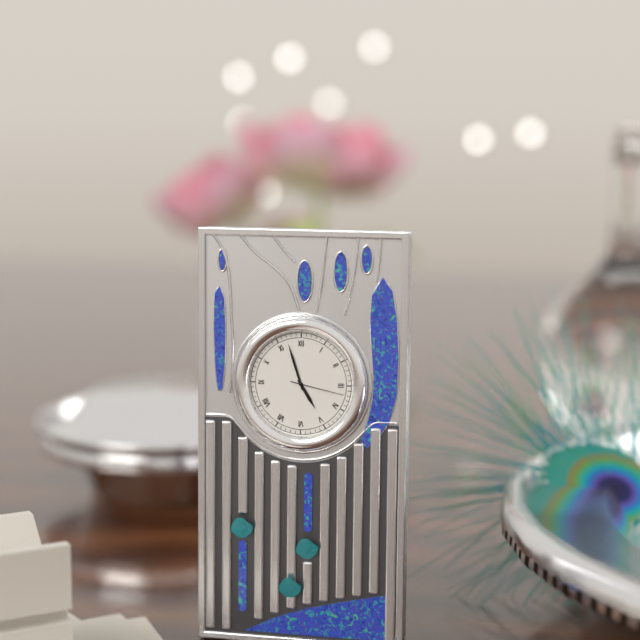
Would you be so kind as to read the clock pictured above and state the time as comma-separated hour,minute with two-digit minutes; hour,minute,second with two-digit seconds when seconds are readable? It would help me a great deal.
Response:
4,57,17
